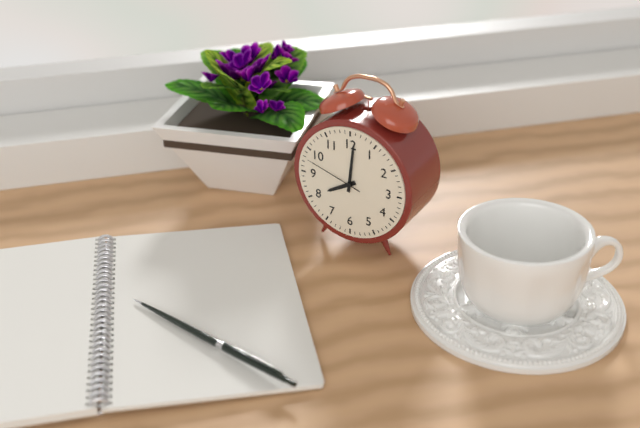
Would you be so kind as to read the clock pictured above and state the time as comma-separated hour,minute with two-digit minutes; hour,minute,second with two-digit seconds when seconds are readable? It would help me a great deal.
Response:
8,01,48
